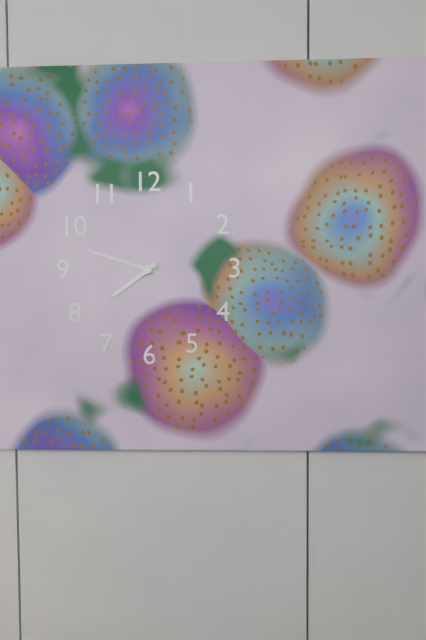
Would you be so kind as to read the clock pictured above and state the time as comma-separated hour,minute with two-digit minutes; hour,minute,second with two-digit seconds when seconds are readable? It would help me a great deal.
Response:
7,48
